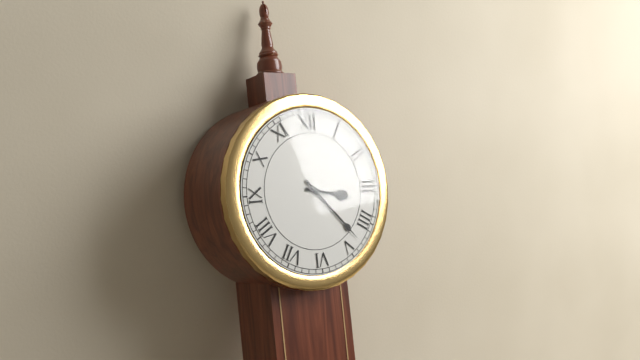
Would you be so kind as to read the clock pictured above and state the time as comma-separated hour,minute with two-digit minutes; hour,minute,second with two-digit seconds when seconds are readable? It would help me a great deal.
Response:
3,23
